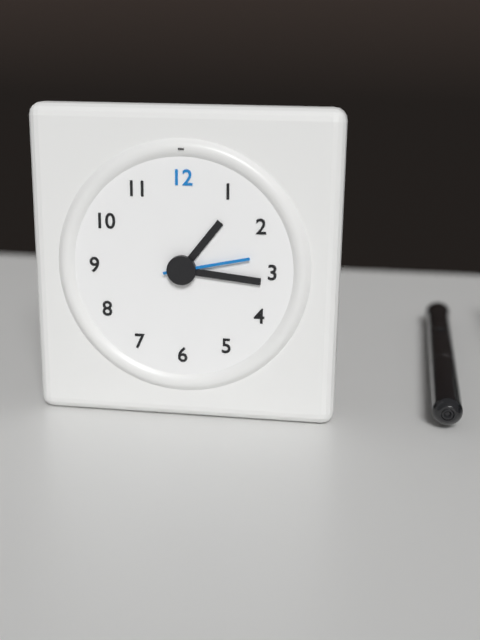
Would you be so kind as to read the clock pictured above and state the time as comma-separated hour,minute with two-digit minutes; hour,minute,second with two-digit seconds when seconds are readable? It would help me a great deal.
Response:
1,16,13
